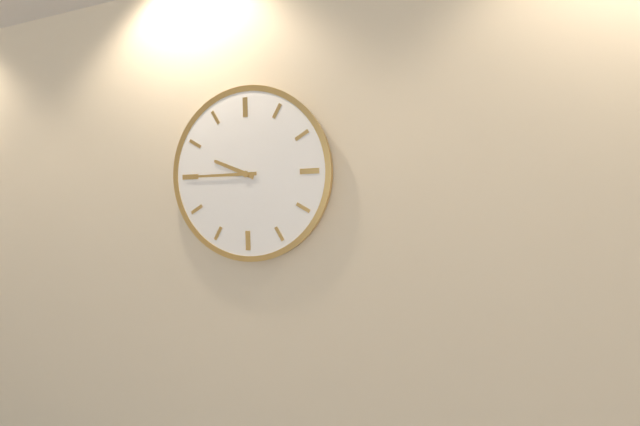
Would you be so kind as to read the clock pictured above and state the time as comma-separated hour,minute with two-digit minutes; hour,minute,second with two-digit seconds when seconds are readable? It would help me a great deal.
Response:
9,45
